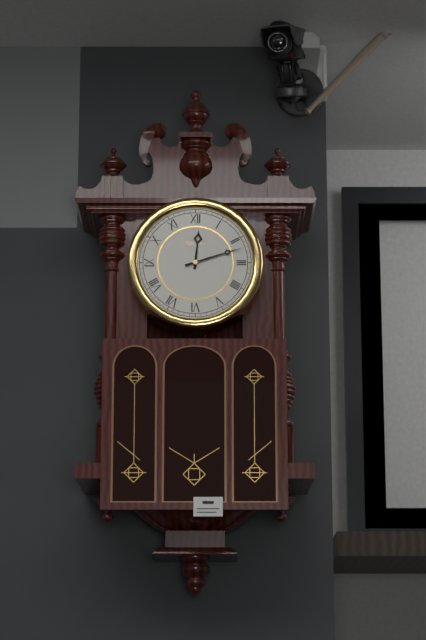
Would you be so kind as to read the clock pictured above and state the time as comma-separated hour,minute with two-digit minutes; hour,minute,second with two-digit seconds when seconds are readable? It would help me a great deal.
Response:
12,12
